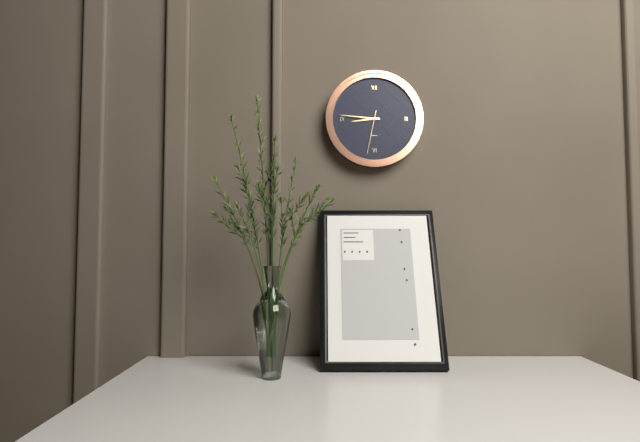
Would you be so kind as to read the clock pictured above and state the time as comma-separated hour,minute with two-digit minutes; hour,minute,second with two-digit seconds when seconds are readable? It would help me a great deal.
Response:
8,46
